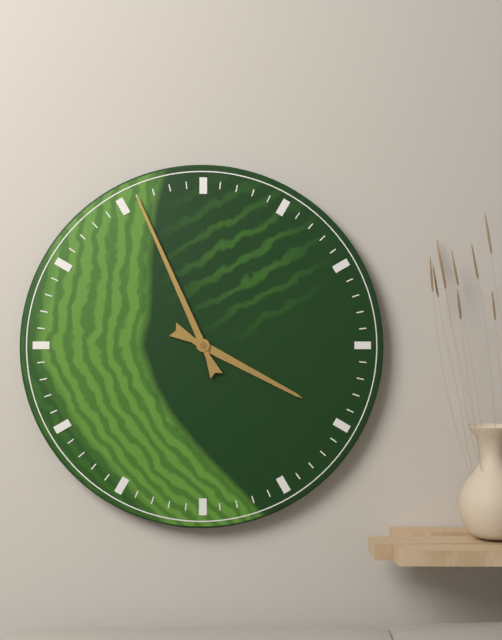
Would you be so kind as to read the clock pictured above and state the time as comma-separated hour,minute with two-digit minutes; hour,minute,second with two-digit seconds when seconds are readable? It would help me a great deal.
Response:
3,56
